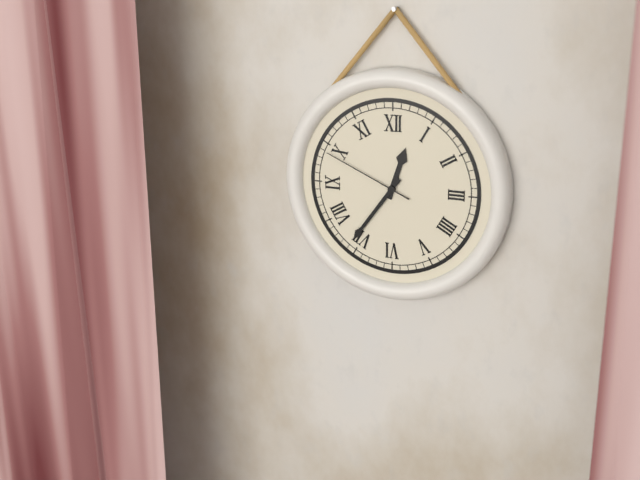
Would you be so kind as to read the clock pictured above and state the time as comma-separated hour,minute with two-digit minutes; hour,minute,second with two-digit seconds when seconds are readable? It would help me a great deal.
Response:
12,36,49
